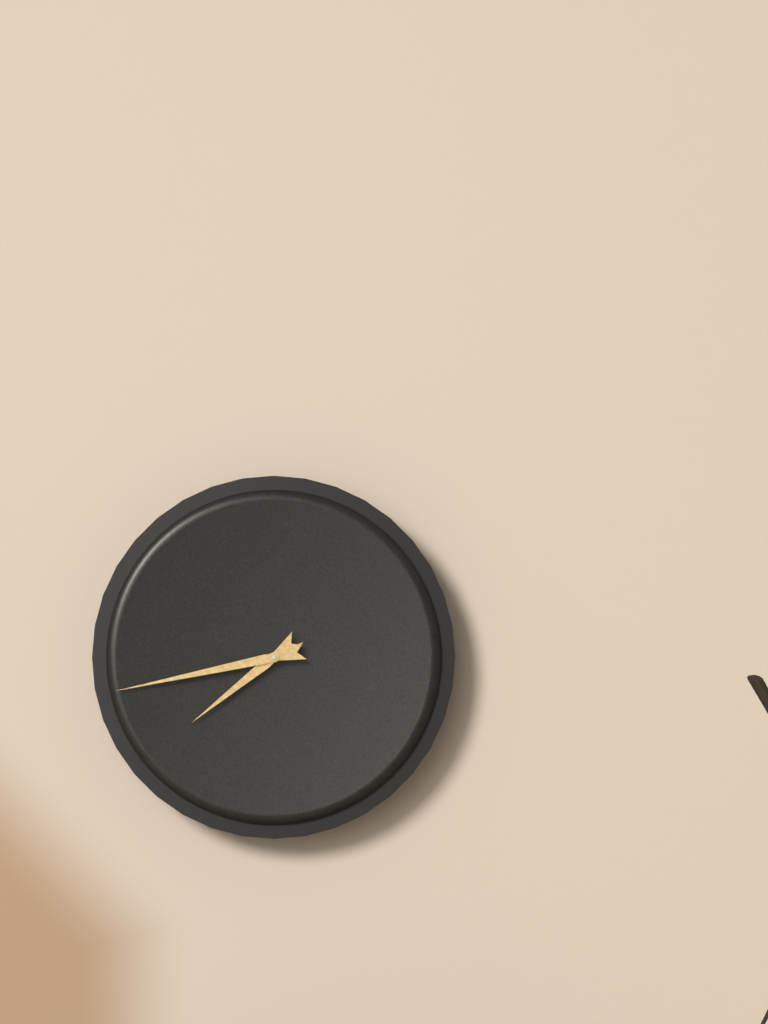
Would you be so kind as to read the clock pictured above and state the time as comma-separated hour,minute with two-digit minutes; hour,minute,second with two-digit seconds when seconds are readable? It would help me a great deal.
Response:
7,43
